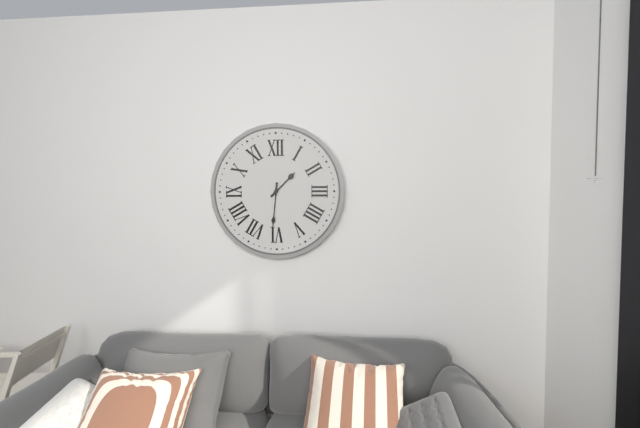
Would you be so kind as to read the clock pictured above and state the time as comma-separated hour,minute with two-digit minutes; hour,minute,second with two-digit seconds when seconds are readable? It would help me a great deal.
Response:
1,31
